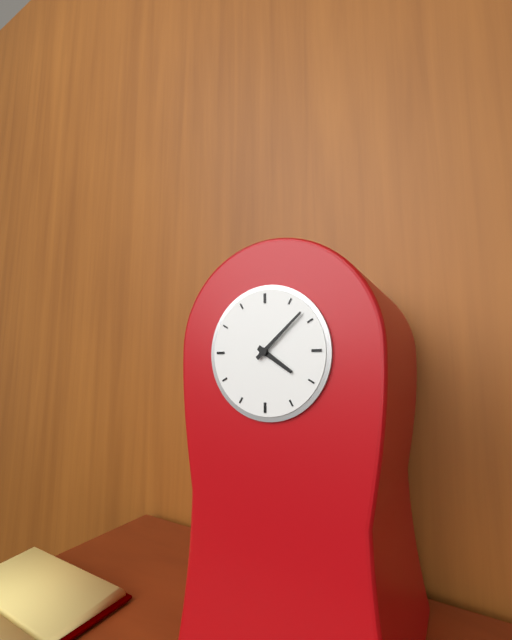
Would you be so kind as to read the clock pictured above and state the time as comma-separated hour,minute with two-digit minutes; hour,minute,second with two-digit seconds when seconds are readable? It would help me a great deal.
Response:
4,08
